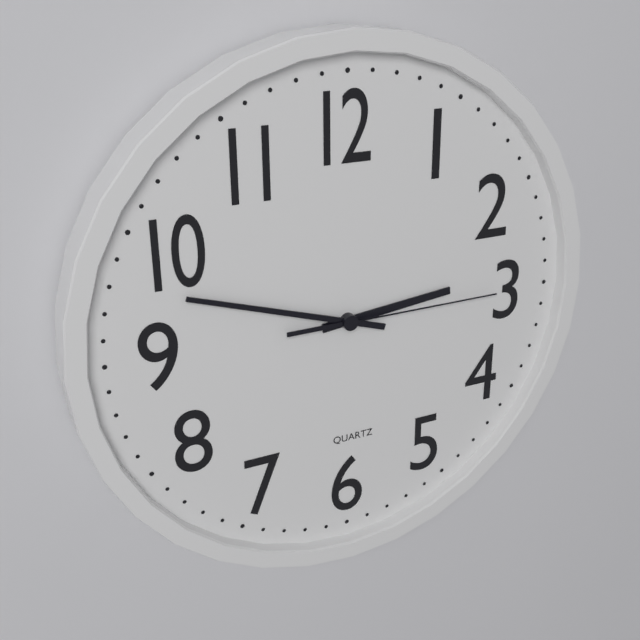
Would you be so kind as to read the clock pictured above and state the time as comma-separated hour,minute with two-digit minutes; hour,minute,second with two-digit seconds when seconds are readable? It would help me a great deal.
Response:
2,48,15
